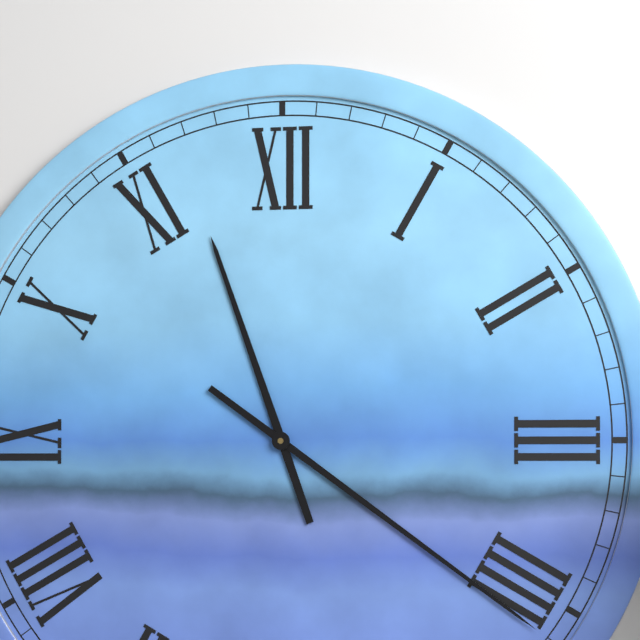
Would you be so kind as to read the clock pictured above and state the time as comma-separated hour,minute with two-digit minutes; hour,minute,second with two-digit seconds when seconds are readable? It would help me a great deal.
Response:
11,21
